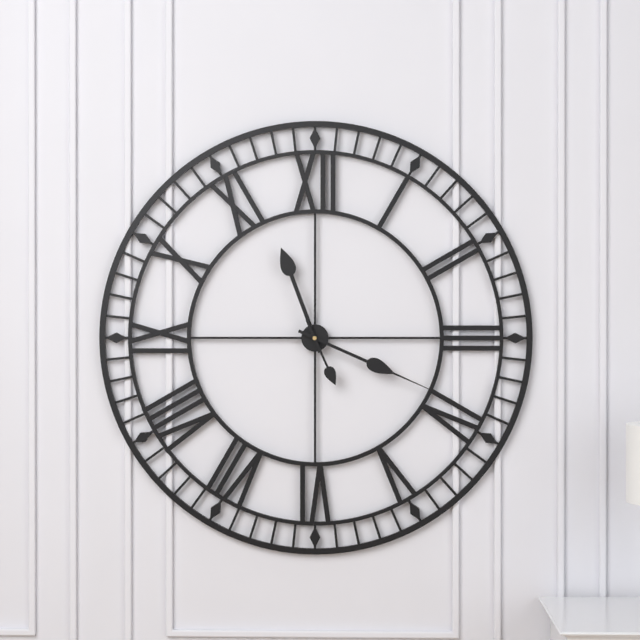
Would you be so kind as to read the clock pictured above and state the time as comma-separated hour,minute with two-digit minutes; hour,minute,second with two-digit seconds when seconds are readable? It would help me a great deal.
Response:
11,19,26
